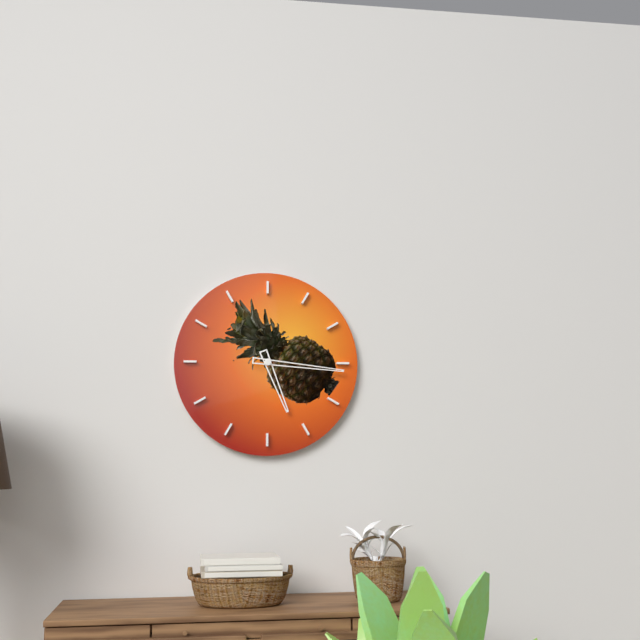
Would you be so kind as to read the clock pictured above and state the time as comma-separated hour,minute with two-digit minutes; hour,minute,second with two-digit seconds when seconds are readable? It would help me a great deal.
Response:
5,16
